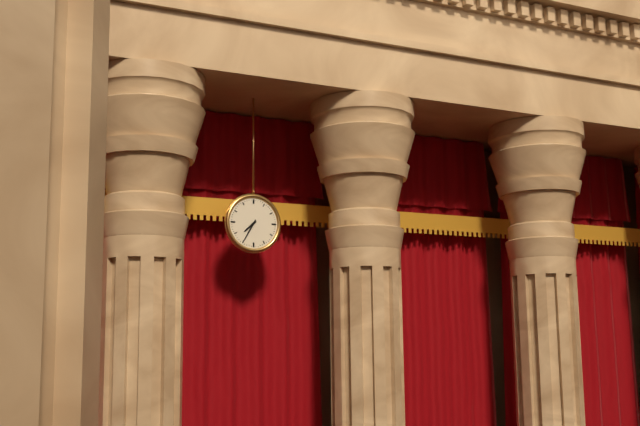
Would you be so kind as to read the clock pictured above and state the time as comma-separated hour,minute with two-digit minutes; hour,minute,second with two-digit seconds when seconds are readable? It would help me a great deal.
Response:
7,35
